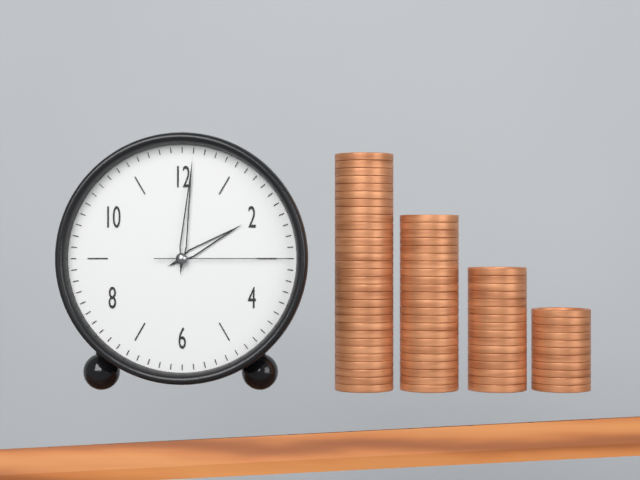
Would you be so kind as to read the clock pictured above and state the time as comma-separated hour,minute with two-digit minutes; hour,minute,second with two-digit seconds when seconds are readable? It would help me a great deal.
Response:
2,01,15
